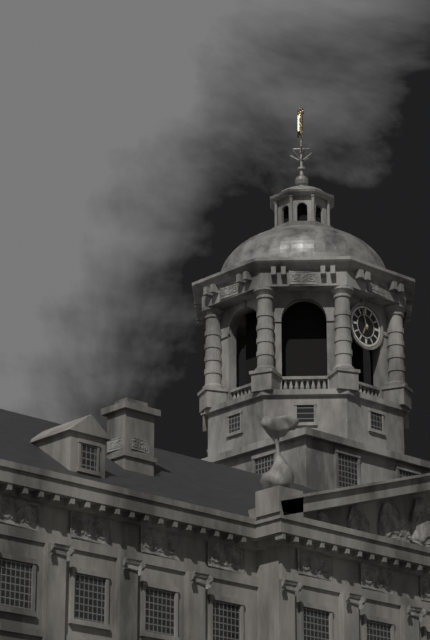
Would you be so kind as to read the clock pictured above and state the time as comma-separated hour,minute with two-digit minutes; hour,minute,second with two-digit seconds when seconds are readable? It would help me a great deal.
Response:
6,57
